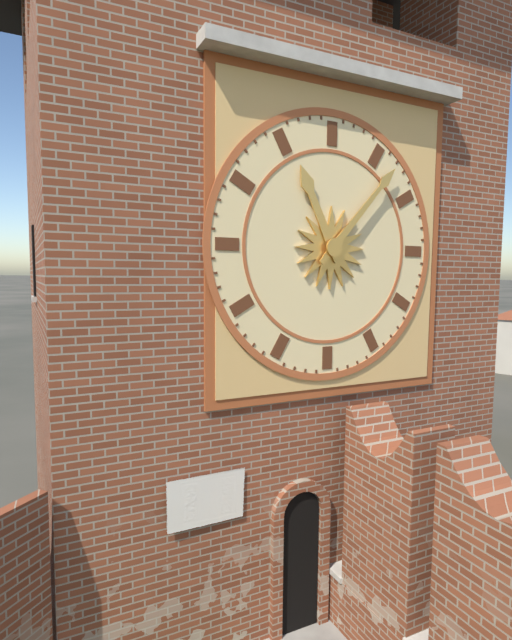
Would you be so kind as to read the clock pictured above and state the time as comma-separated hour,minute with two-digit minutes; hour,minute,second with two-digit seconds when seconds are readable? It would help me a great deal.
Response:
11,07
